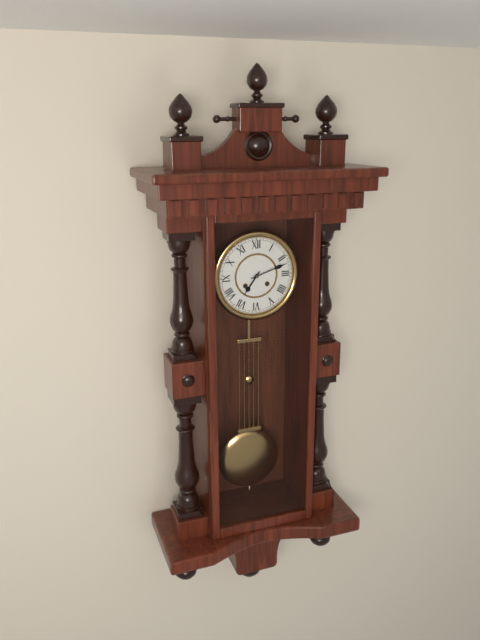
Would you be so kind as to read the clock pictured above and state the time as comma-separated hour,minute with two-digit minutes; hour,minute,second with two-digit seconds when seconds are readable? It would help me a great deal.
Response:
7,12
